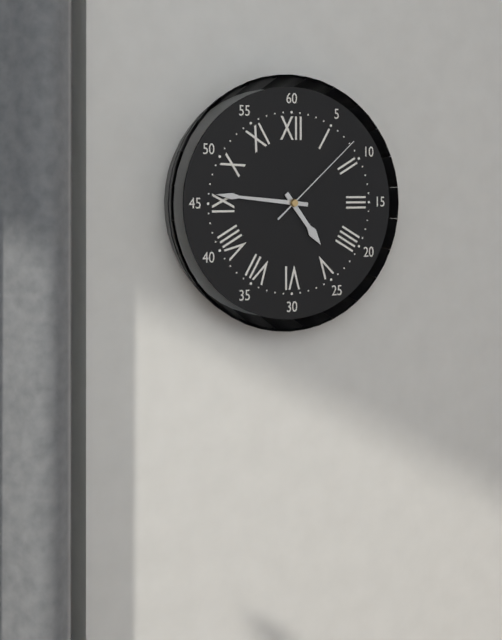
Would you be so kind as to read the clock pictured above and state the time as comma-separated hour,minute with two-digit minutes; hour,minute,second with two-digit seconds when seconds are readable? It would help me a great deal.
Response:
4,46,08
